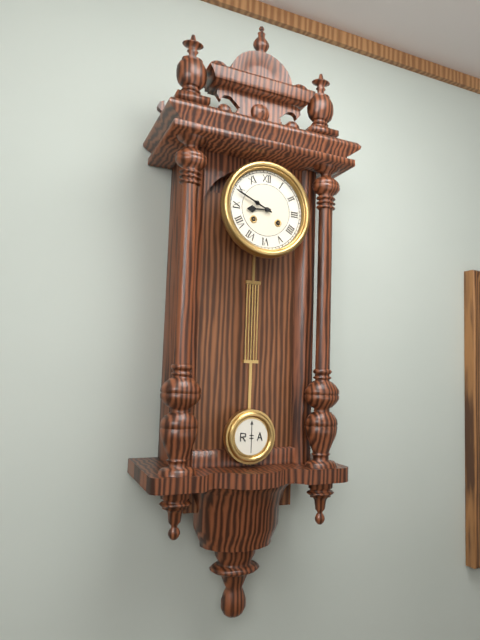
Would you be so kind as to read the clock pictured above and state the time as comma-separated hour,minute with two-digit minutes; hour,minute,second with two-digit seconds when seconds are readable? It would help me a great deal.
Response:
8,49
